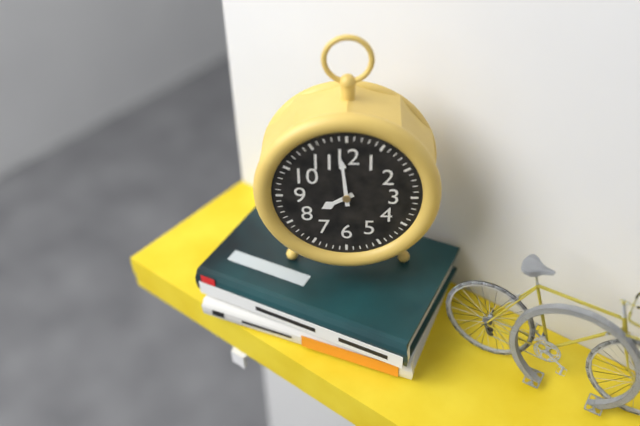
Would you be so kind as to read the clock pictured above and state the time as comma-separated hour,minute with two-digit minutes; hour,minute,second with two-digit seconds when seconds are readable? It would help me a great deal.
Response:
7,59
